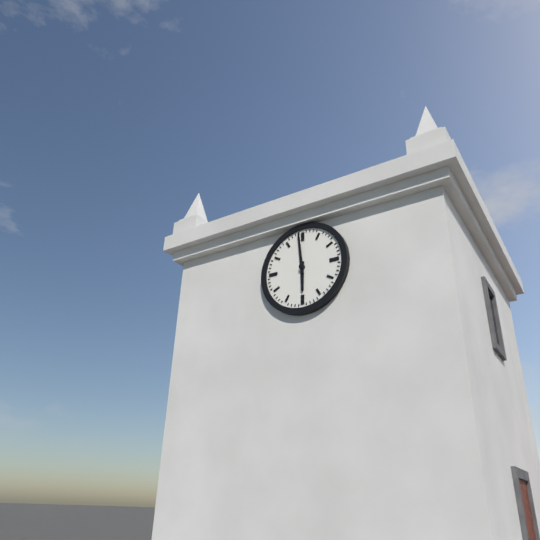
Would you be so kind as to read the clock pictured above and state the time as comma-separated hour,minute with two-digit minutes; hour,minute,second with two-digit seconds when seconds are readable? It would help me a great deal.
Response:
5,59
